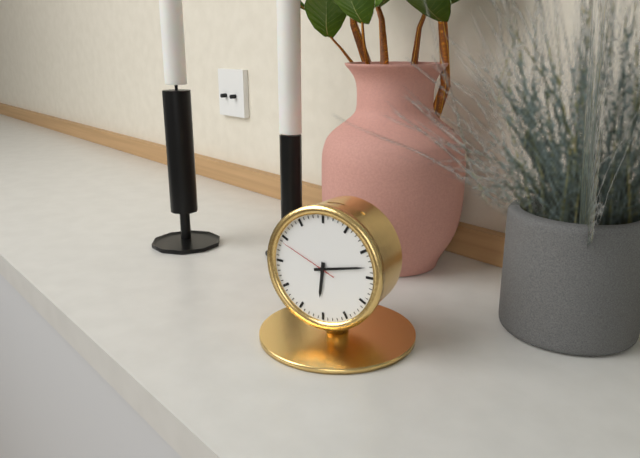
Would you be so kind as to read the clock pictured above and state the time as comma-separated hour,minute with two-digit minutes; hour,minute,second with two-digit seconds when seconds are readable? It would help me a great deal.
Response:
6,13,49
